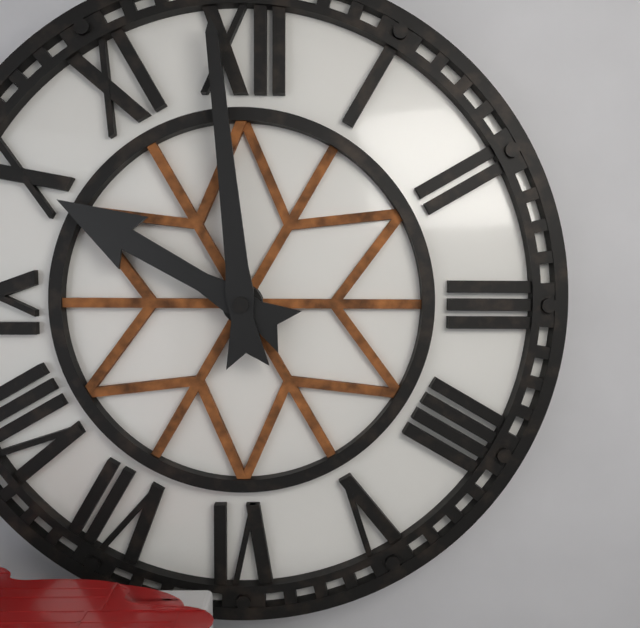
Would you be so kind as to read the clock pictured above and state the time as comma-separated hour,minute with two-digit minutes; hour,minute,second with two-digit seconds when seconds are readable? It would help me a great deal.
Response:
9,59
